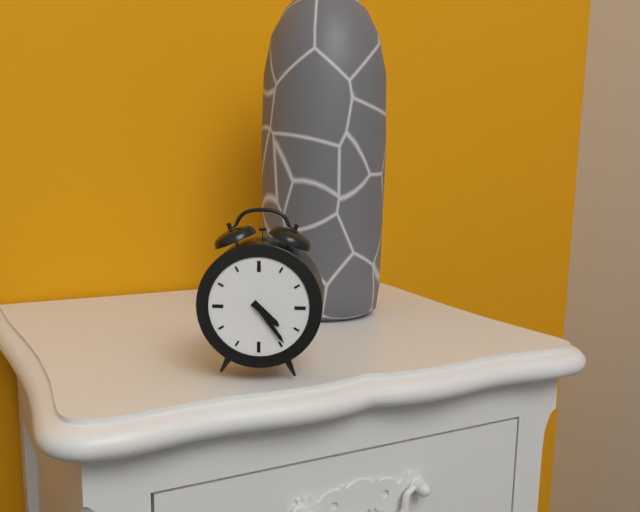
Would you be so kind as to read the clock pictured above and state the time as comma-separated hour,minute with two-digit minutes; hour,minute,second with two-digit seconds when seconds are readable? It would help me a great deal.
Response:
4,24
